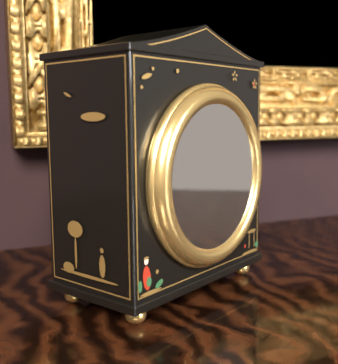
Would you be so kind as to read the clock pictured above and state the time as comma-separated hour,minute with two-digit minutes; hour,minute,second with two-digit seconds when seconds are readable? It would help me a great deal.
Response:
5,20
